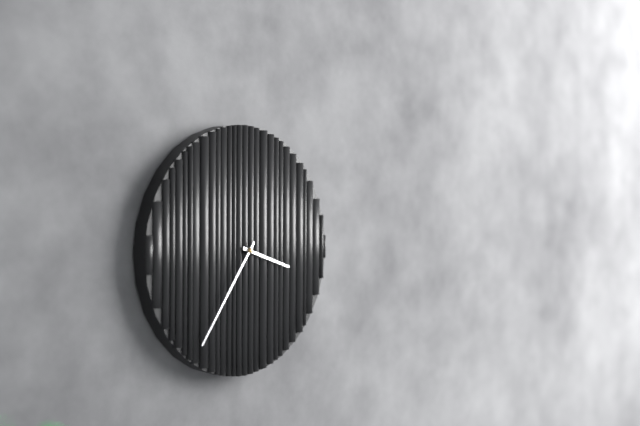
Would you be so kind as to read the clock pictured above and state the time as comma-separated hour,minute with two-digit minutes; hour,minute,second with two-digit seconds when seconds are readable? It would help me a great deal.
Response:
3,36
